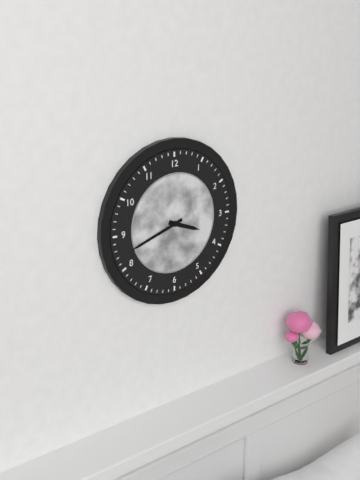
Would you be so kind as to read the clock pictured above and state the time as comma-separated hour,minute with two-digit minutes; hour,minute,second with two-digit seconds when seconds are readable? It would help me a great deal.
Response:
3,42
